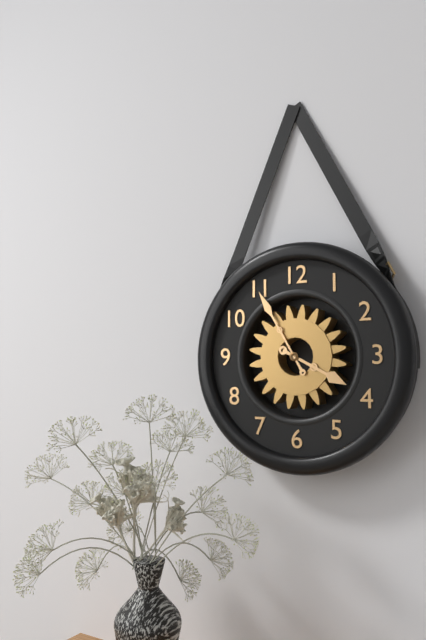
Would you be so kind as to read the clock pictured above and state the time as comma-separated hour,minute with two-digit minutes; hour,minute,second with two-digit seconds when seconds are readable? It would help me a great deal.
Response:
3,55
